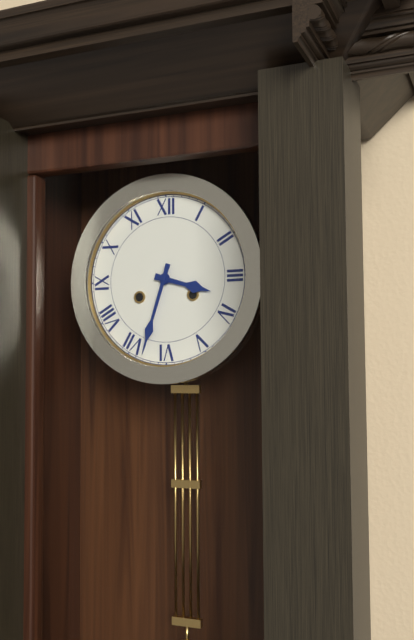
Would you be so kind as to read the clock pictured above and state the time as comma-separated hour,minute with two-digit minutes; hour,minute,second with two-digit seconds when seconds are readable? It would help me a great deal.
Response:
3,33
